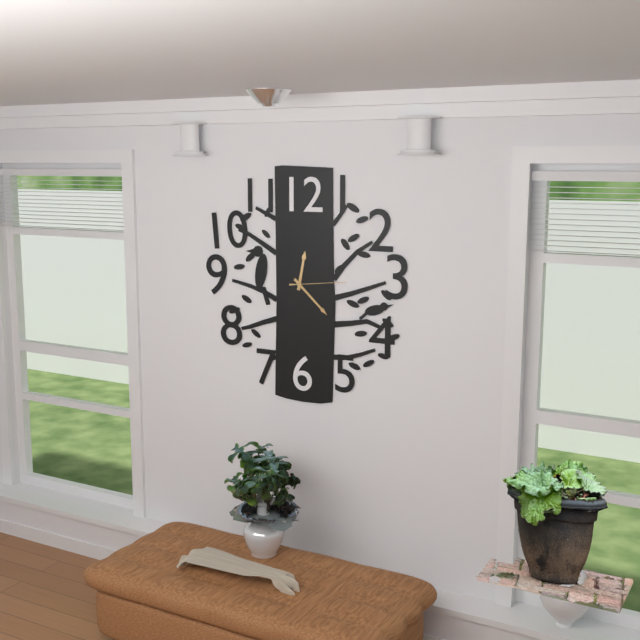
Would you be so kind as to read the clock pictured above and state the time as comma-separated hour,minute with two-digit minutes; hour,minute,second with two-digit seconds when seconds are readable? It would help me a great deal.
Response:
12,22,14
